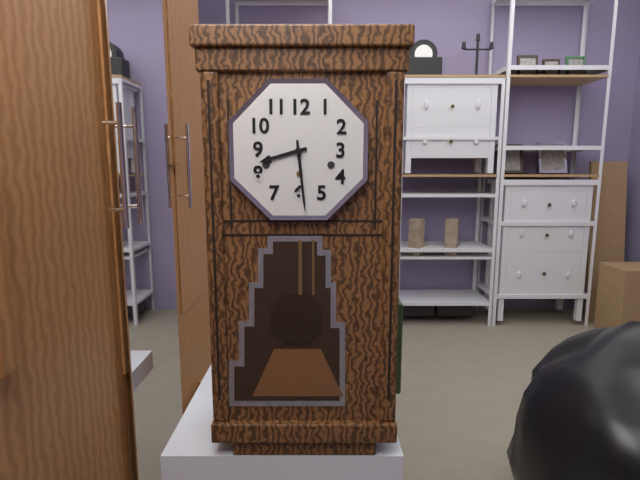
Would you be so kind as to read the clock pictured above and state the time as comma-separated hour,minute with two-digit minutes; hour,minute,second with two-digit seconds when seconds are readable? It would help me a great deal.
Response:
8,29
